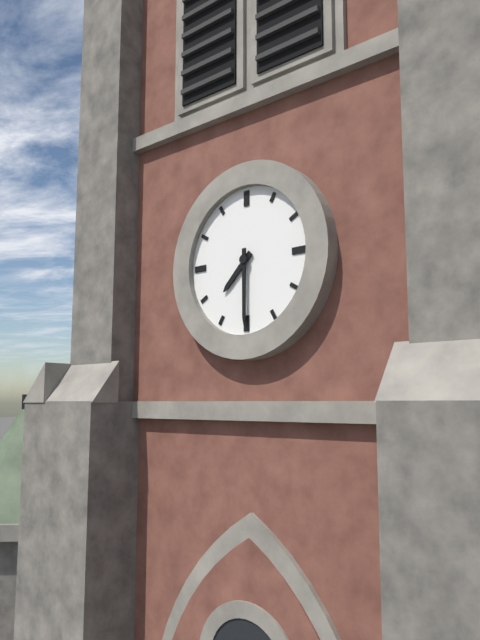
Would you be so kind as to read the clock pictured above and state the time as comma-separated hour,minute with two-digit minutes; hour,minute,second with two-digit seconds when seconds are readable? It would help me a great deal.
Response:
7,30
